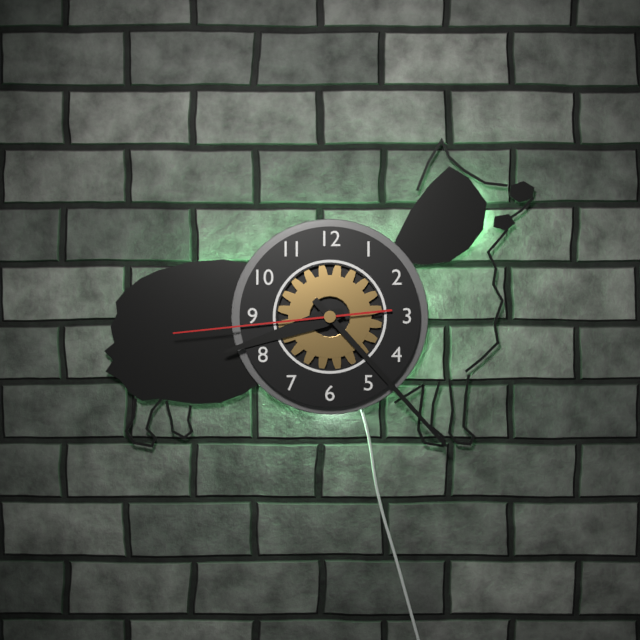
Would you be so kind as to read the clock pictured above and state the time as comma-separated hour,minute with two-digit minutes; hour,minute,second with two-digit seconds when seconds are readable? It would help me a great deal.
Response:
8,23,44
